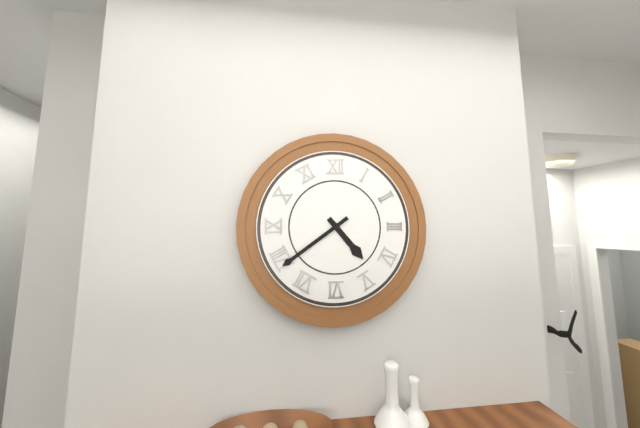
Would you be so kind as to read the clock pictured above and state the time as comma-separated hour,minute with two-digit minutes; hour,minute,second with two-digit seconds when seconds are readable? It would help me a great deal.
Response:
4,39
